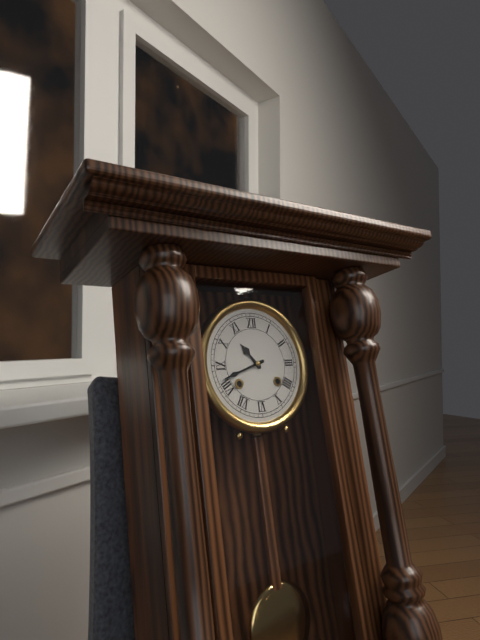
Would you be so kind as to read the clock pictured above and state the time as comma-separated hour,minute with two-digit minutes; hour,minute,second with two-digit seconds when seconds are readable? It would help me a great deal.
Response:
10,42
